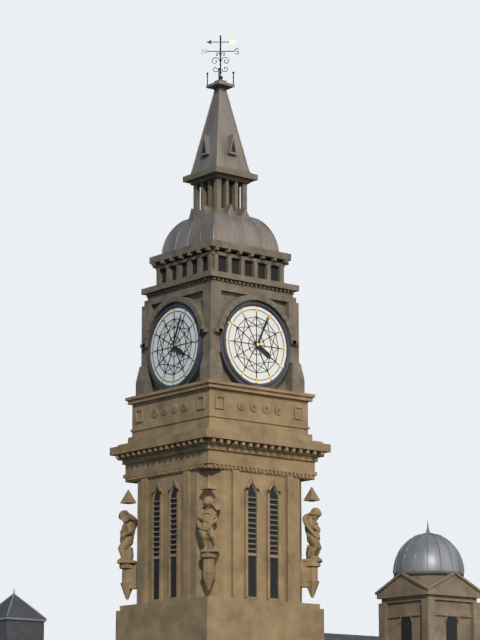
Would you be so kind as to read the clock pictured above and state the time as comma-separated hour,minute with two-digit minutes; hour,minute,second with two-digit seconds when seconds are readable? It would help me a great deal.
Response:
4,04
